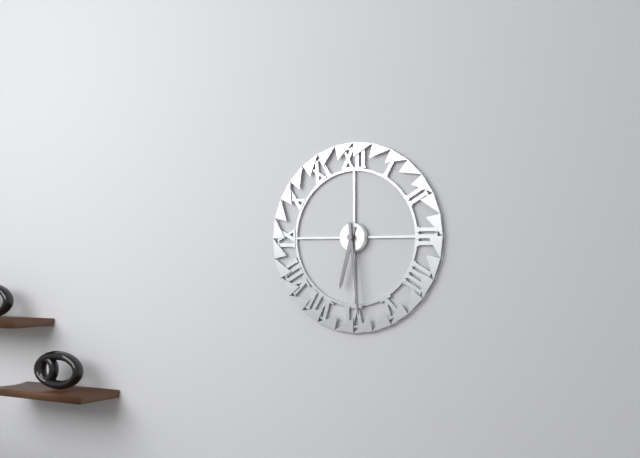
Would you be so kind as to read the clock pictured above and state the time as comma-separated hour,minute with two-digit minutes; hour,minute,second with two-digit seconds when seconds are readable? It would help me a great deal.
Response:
6,29
